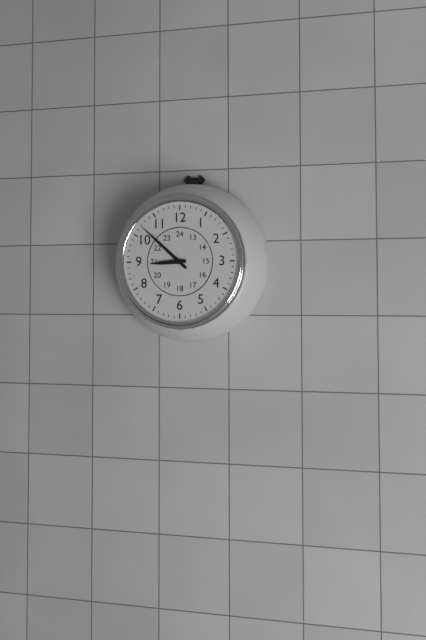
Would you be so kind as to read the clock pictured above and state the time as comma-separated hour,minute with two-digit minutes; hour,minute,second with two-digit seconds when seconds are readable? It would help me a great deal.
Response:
8,52
